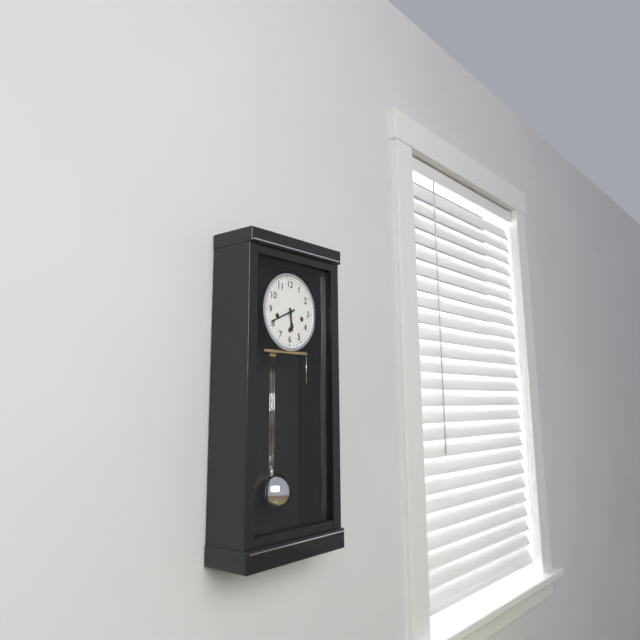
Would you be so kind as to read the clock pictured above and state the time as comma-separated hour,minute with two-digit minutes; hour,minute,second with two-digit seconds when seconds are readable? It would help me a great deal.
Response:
5,41
